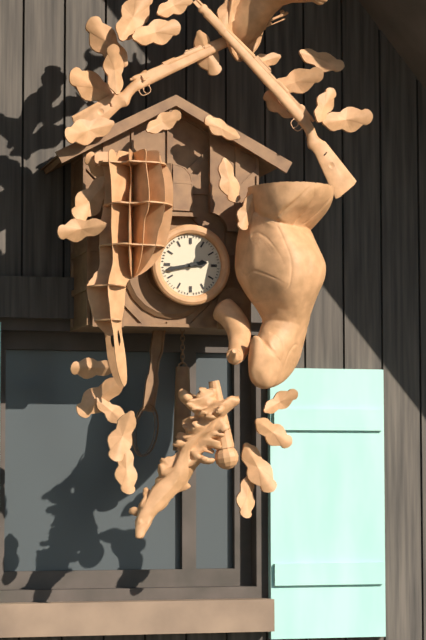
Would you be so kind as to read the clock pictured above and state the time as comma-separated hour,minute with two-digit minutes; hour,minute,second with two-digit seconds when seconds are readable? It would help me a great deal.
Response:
2,43
